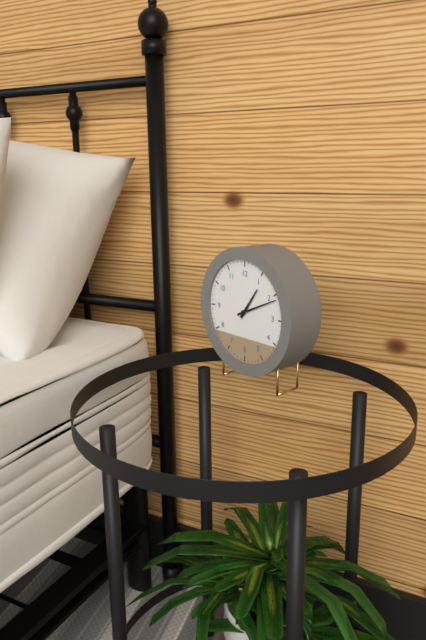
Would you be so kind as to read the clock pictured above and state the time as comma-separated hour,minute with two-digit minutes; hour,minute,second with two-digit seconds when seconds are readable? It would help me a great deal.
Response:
1,11
